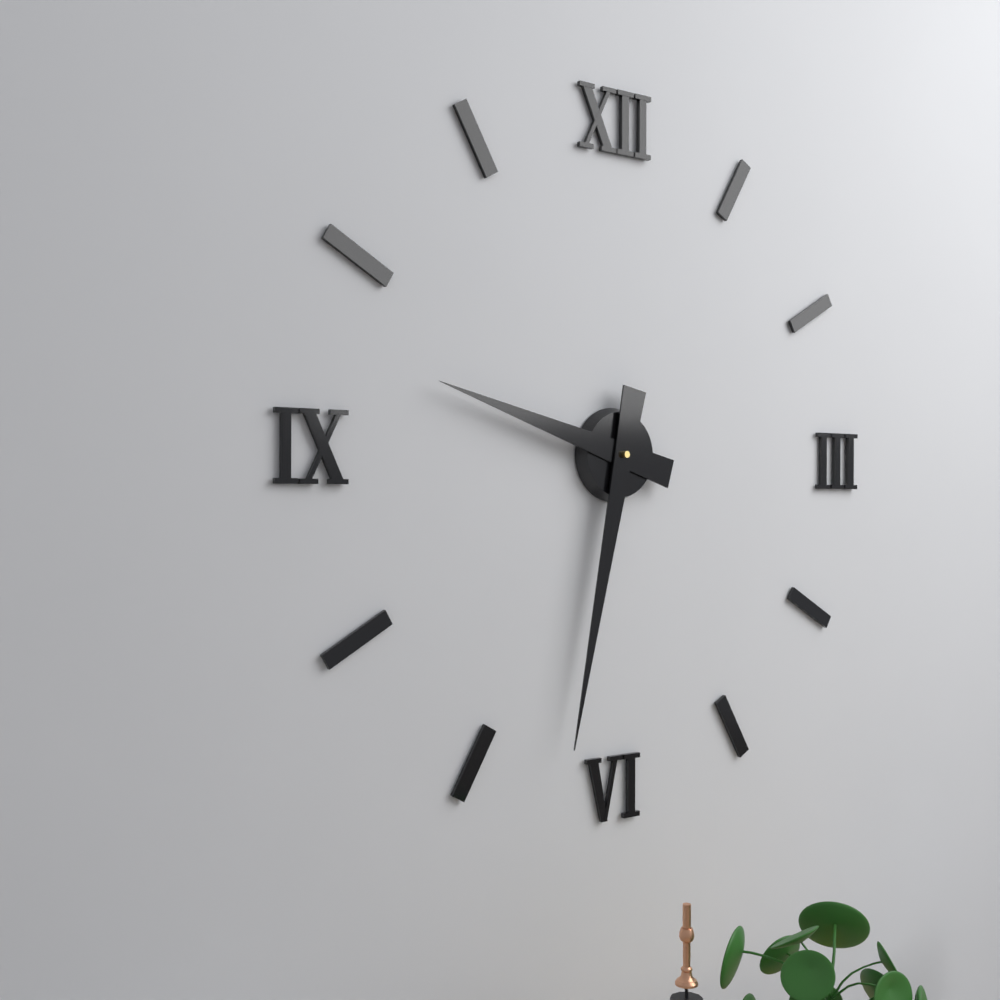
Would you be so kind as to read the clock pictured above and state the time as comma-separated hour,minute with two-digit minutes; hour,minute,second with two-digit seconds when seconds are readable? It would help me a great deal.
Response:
9,32
